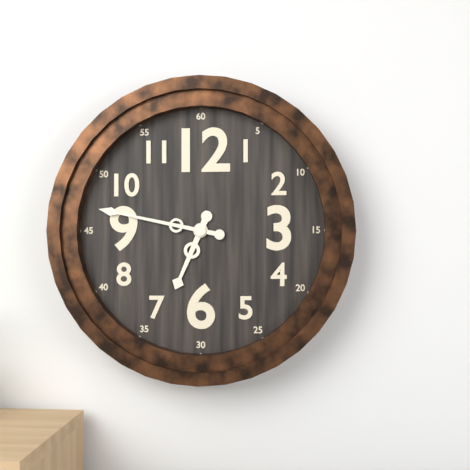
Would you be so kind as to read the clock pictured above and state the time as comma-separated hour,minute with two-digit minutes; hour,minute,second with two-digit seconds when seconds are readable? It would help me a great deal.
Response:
6,47
